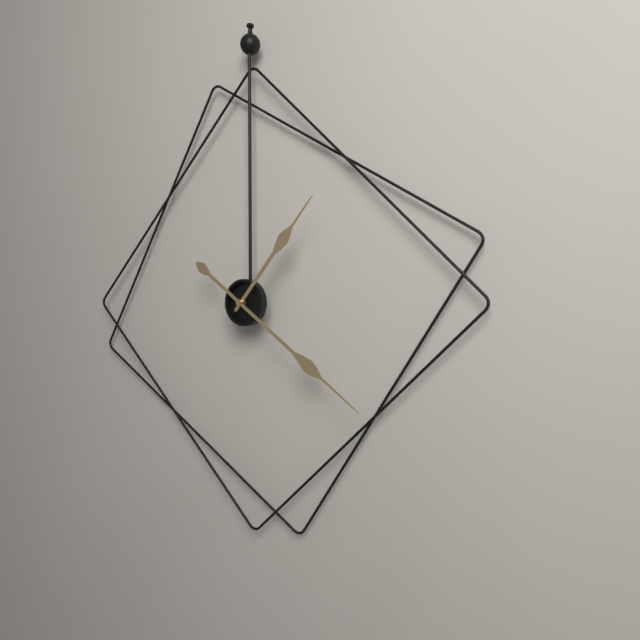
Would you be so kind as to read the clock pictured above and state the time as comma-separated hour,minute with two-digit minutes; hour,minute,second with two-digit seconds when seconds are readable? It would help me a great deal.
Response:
1,21
